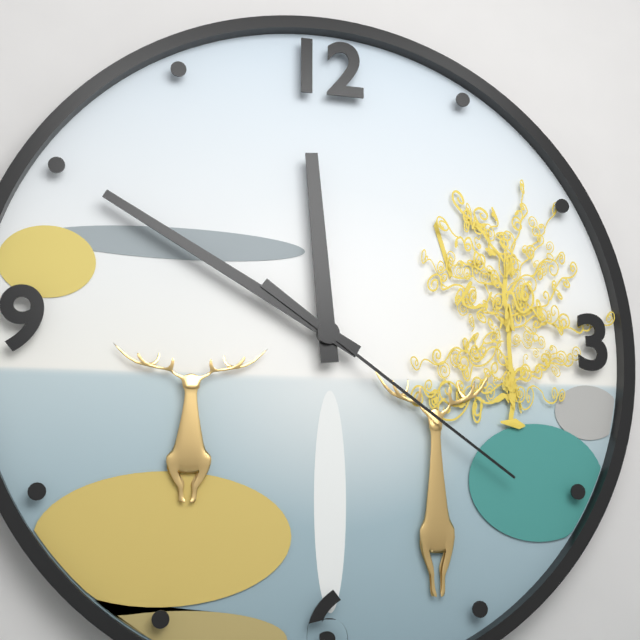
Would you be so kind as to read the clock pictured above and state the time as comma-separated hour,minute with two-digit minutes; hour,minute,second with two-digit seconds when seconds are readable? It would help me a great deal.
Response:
11,50,21
